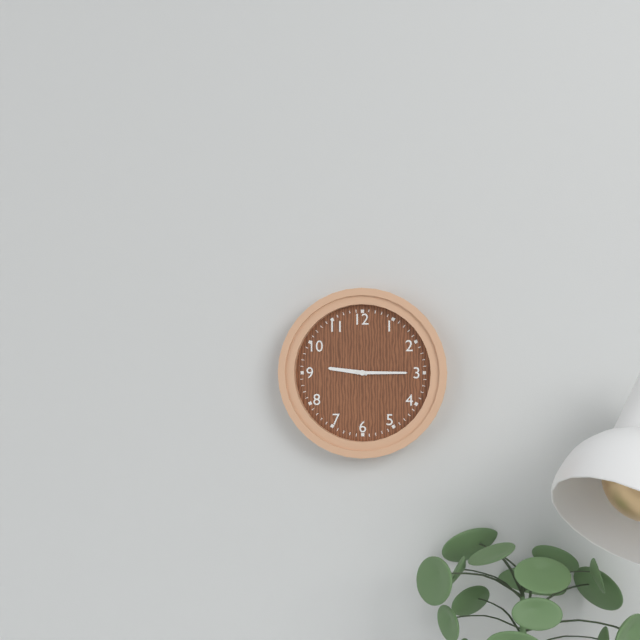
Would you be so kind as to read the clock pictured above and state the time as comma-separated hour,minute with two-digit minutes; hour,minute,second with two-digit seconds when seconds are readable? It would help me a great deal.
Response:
9,15
